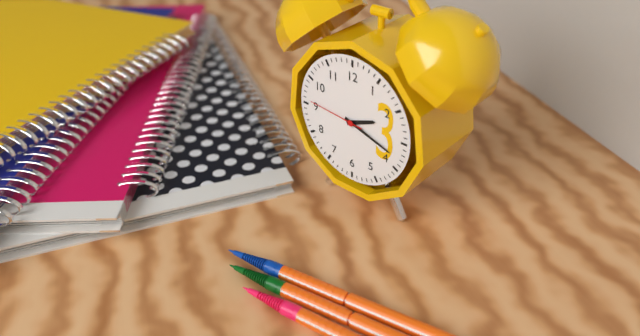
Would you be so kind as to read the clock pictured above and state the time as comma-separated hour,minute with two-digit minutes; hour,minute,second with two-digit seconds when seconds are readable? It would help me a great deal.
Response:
2,18,46
